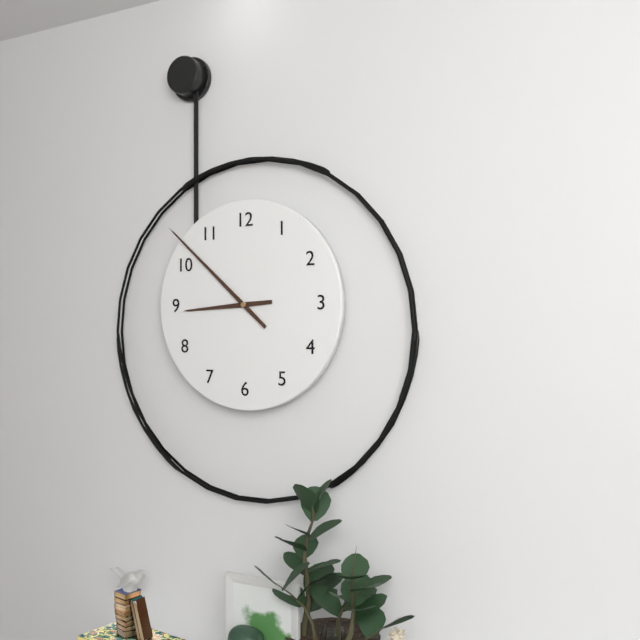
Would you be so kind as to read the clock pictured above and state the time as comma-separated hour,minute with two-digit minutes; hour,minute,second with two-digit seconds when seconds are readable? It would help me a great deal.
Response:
8,52
